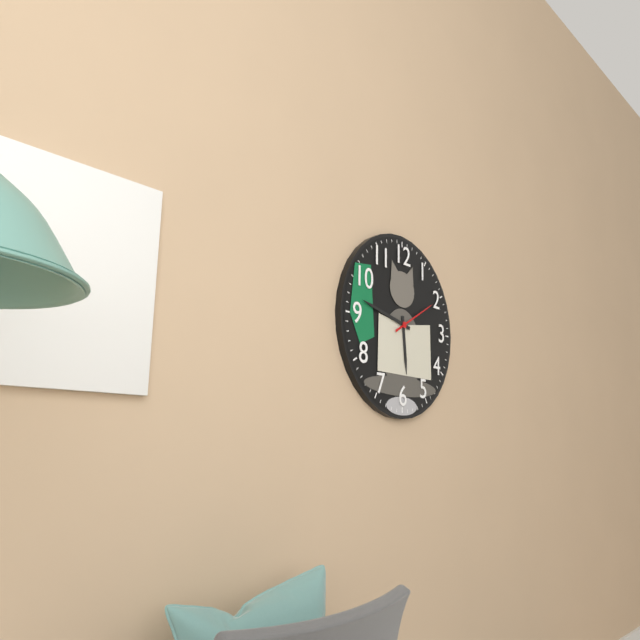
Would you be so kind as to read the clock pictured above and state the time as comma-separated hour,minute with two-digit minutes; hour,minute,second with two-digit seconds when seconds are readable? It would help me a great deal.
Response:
5,47
